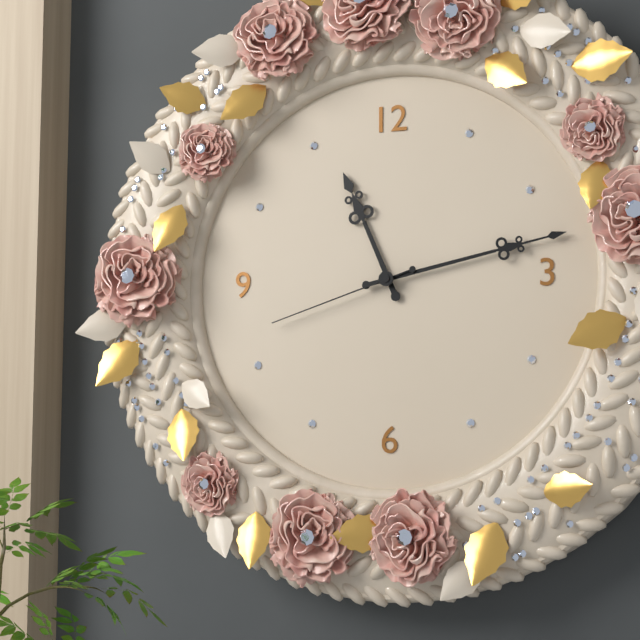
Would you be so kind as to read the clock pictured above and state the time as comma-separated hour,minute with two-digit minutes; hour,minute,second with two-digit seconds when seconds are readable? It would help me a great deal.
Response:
11,13,42
